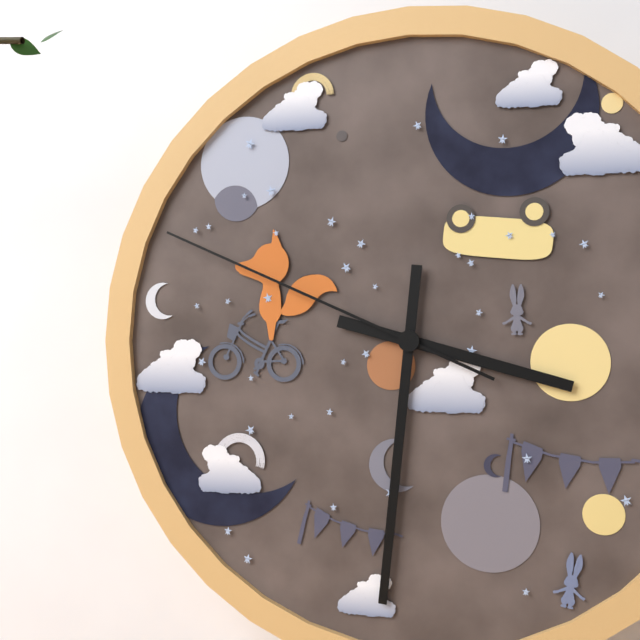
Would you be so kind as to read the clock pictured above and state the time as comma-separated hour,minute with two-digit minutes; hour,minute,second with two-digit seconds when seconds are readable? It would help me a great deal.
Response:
3,31,49
